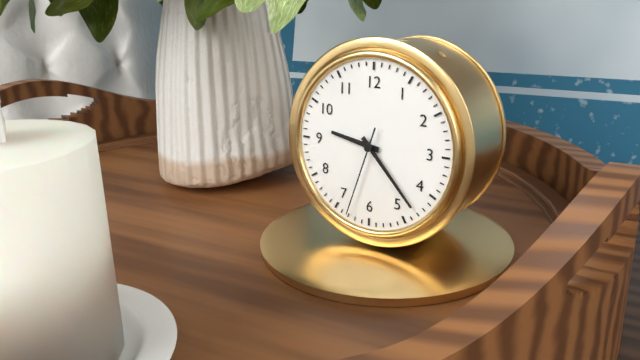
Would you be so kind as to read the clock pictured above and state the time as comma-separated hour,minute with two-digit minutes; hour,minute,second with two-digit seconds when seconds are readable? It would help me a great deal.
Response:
9,23,33
